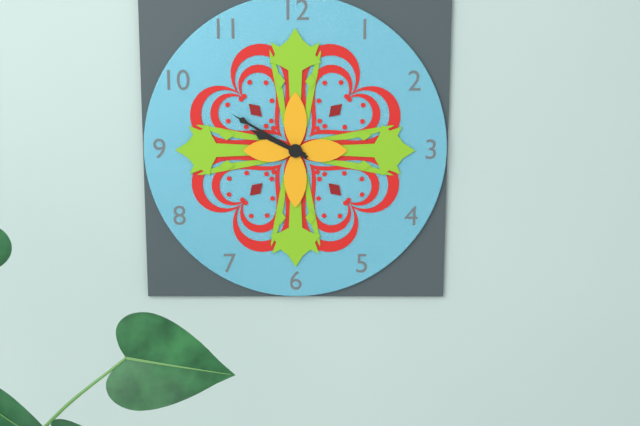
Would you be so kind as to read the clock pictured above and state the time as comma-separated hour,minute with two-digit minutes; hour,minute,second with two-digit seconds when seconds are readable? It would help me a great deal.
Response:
9,50
